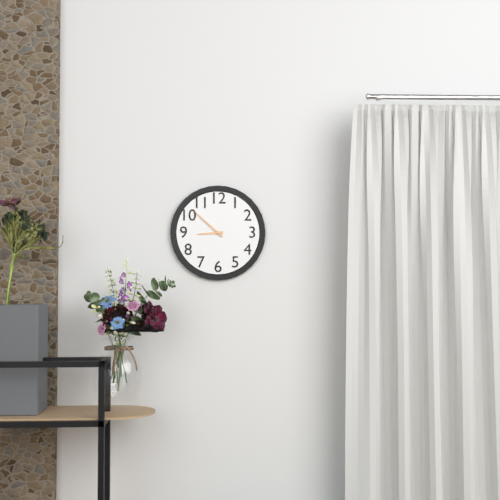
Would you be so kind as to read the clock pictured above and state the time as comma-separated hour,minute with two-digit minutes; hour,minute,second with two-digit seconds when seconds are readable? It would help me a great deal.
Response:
8,52
